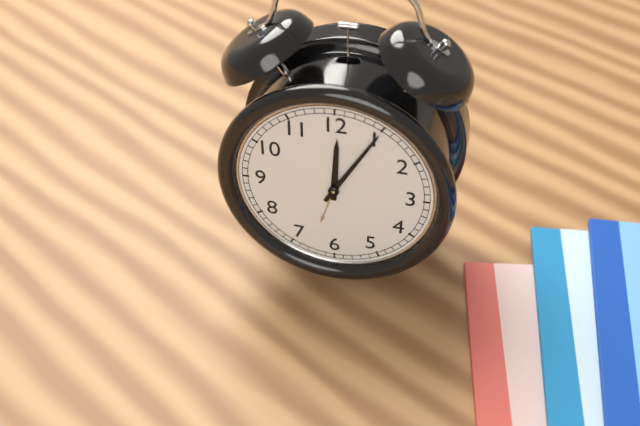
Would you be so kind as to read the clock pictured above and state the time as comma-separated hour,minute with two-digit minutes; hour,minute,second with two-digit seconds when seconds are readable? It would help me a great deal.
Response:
12,05
